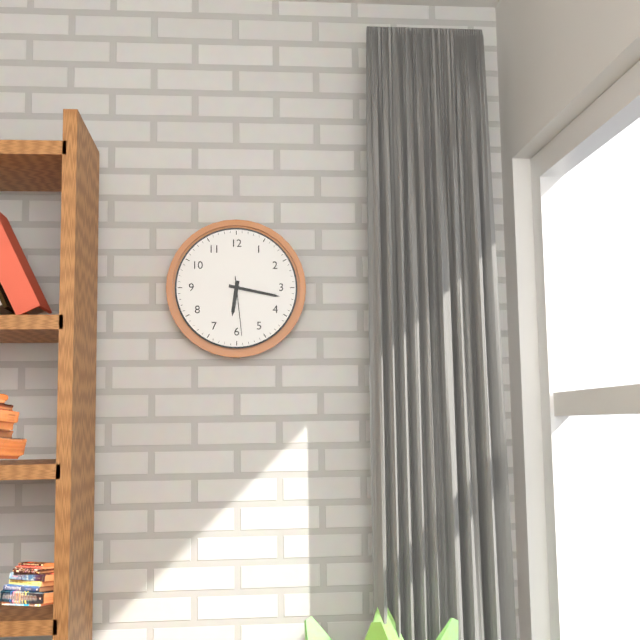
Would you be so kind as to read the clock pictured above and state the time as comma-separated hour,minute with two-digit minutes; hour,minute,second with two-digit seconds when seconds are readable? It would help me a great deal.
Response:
6,17,29
